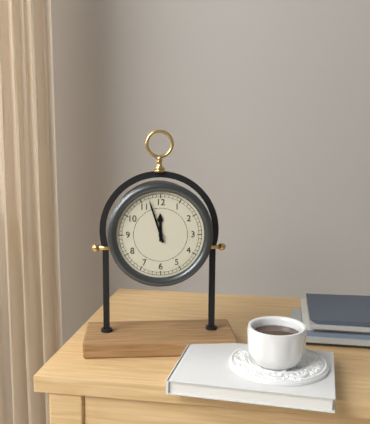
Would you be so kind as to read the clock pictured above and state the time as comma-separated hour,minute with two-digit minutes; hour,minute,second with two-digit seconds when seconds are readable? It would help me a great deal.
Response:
11,57
